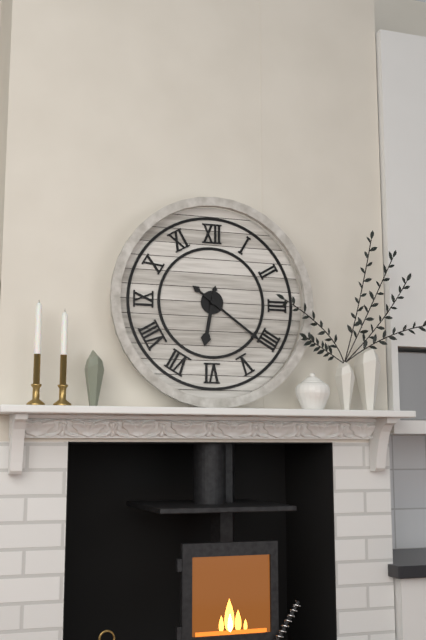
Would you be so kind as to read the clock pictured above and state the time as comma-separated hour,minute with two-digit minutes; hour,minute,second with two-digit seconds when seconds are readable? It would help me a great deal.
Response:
6,21
